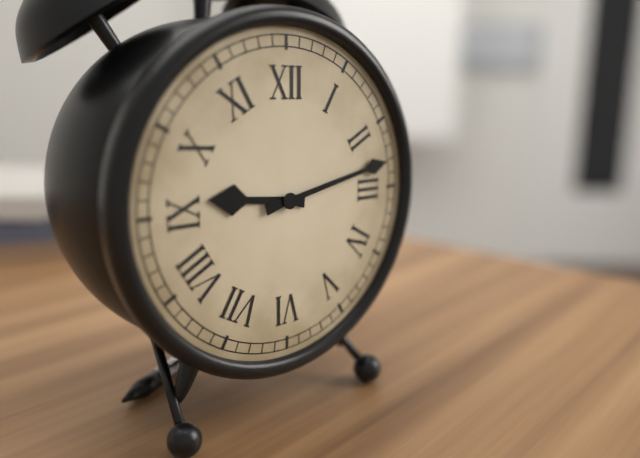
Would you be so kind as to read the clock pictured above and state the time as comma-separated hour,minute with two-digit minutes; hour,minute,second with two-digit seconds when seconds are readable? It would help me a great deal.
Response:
9,13
